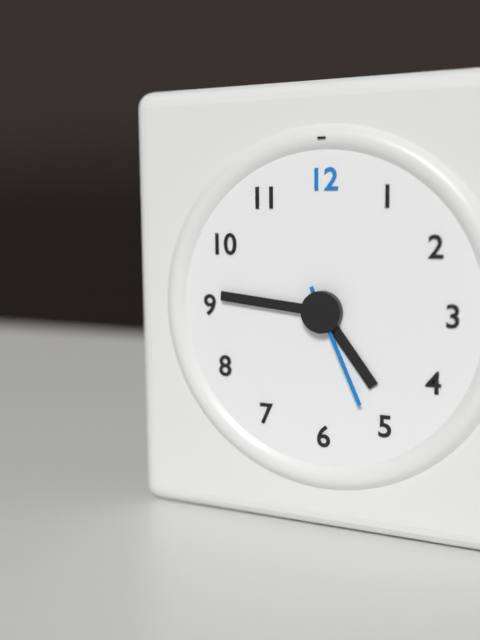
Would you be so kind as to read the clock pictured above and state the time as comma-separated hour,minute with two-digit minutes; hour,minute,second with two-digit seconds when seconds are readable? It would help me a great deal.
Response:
4,46,26
